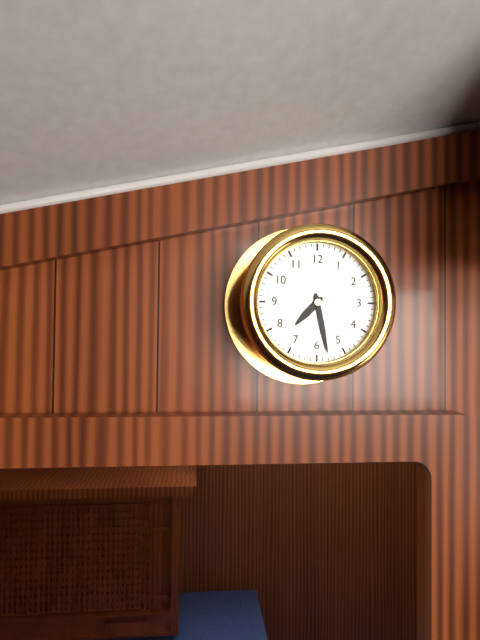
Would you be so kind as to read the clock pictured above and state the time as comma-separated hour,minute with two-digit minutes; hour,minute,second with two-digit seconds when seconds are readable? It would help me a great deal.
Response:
7,28
